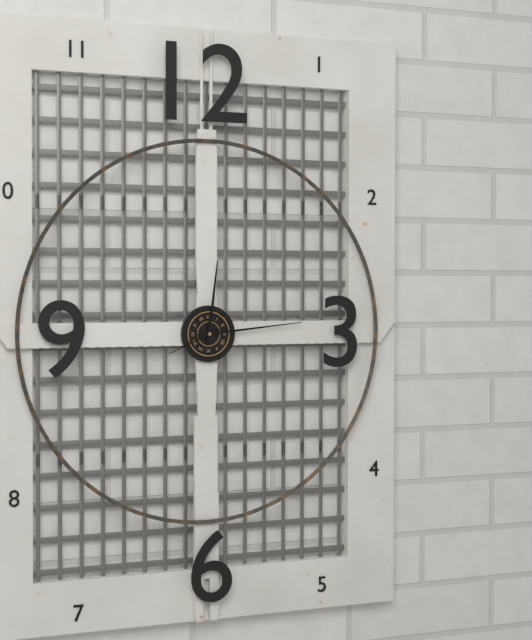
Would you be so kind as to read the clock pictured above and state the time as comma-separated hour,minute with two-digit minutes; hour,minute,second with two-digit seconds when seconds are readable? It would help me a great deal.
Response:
12,14
